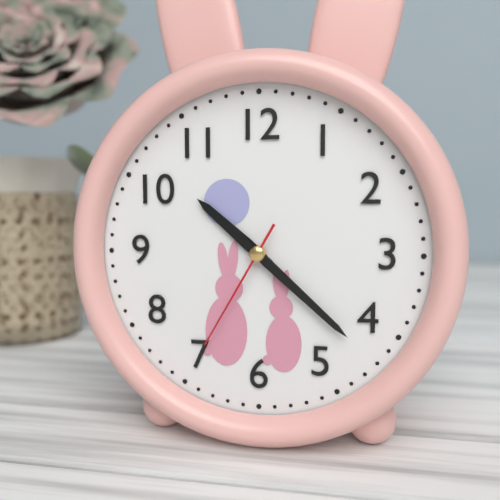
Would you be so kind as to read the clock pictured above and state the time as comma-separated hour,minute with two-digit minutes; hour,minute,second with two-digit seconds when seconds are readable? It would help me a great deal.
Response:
10,22,35
